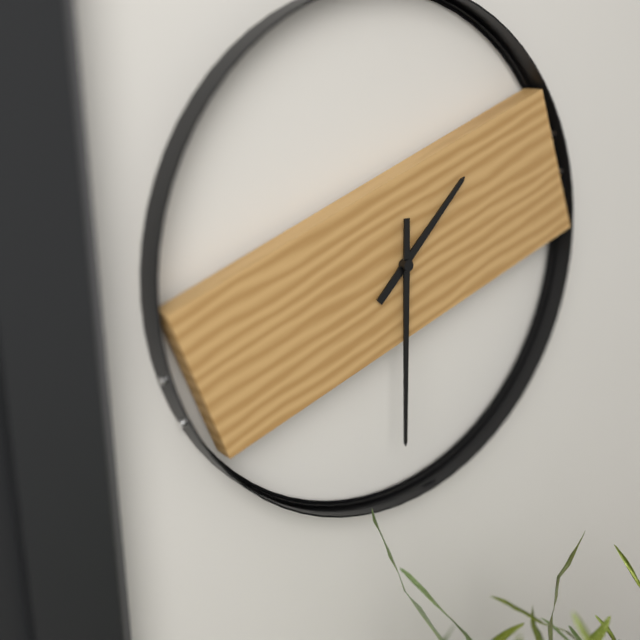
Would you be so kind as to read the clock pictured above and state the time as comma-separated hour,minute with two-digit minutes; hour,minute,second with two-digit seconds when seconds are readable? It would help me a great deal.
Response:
1,30
